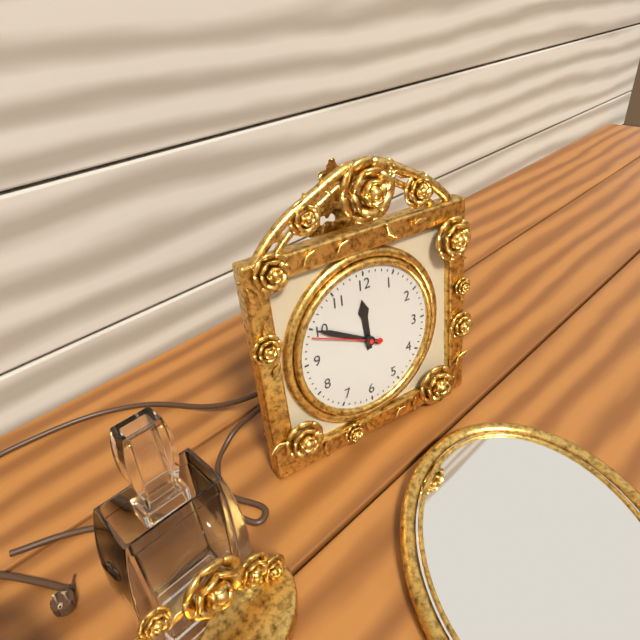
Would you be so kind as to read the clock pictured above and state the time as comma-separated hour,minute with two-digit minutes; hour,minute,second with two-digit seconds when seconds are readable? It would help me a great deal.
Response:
11,50,49
